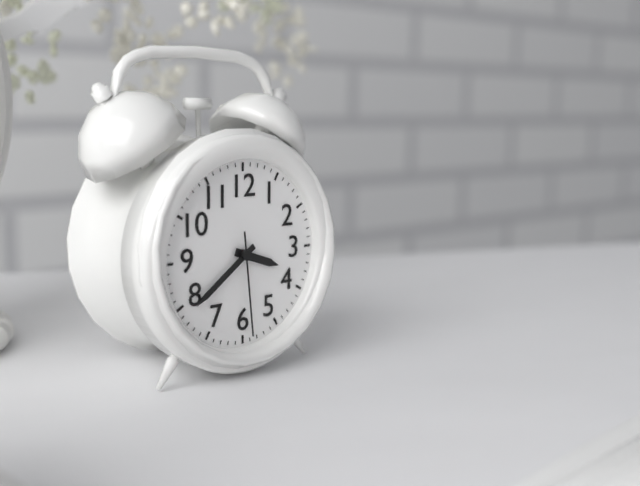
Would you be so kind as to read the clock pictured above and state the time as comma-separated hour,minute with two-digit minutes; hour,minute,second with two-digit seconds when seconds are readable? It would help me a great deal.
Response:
3,39,29
